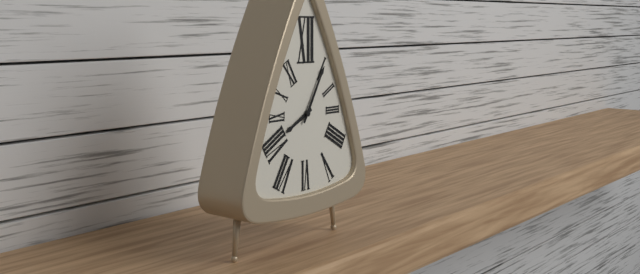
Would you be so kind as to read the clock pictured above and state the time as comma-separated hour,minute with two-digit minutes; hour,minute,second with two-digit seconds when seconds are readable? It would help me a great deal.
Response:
8,05
